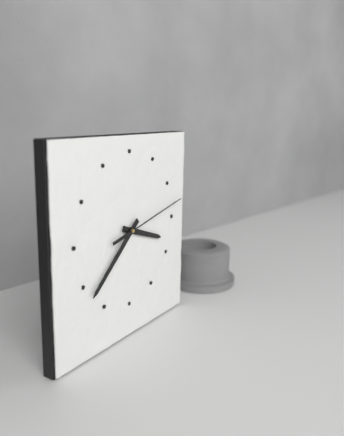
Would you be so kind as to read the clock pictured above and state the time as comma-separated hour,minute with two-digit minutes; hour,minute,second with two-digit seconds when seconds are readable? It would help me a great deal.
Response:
3,38,13
